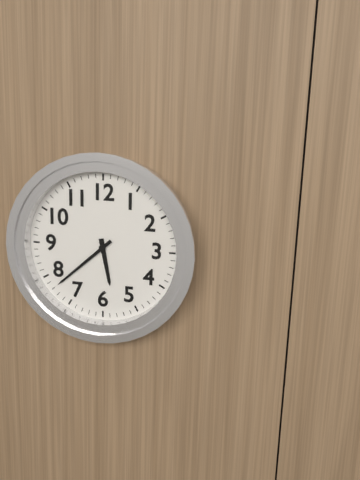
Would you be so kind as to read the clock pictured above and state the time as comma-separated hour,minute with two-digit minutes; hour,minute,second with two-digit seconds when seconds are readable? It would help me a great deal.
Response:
5,38
